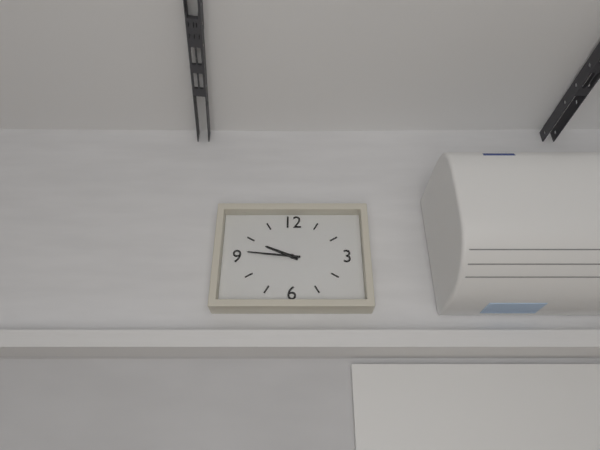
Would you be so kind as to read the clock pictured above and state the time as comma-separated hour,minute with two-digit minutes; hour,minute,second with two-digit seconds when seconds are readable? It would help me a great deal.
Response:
9,46
